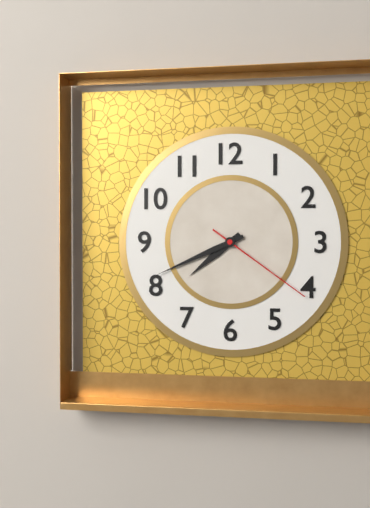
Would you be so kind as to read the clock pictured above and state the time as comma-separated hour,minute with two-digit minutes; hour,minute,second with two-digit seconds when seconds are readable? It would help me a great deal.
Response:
7,41,21
